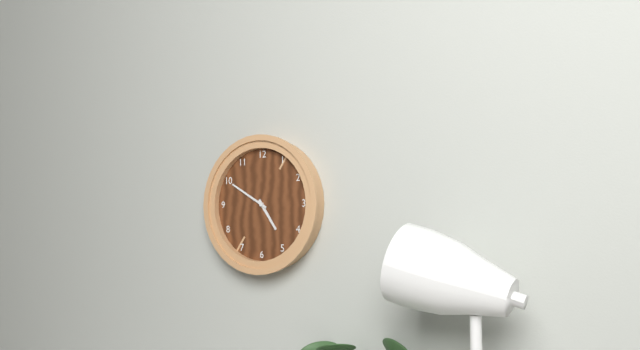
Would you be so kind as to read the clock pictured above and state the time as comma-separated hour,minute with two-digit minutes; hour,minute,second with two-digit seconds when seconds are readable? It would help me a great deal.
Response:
4,50
